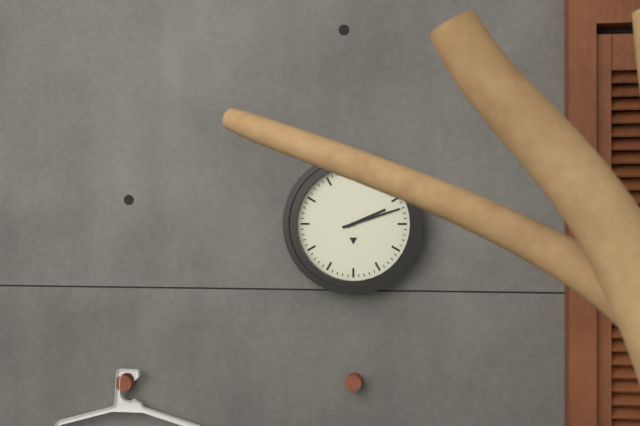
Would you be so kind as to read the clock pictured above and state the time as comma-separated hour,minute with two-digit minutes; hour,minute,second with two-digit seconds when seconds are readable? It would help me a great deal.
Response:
2,12
